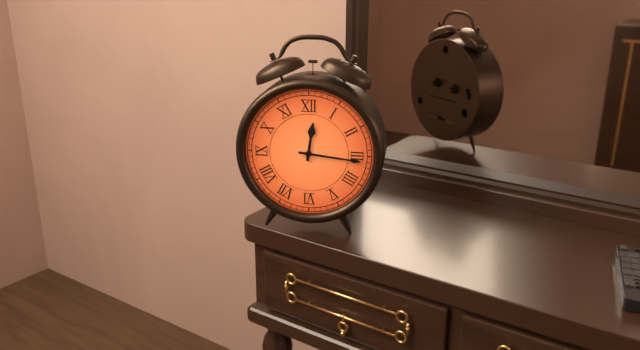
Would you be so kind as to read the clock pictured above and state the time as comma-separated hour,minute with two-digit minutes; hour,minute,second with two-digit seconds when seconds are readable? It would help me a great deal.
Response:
12,16
